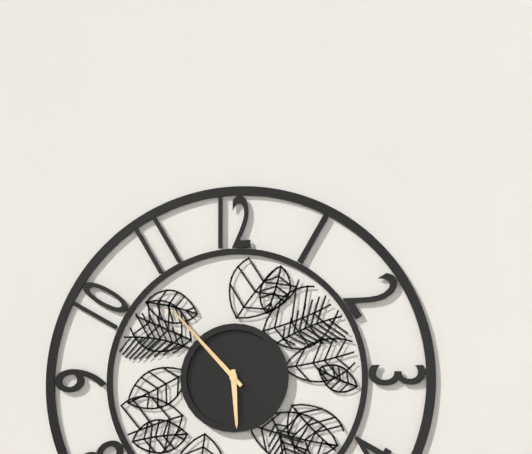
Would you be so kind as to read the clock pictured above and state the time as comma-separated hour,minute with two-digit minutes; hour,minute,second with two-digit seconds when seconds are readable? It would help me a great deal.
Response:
5,53
